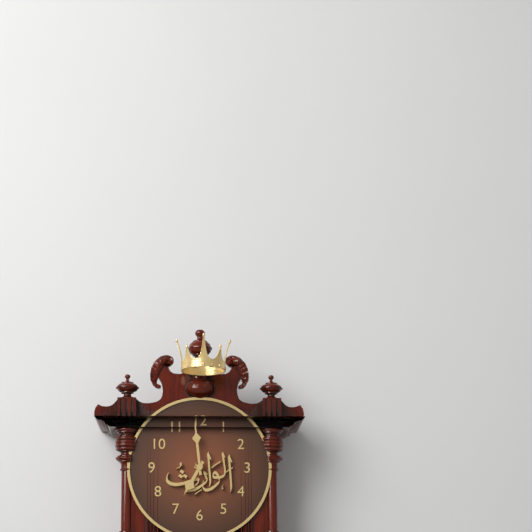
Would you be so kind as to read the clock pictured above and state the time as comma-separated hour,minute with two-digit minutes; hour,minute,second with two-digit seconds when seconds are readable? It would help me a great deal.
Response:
6,59
